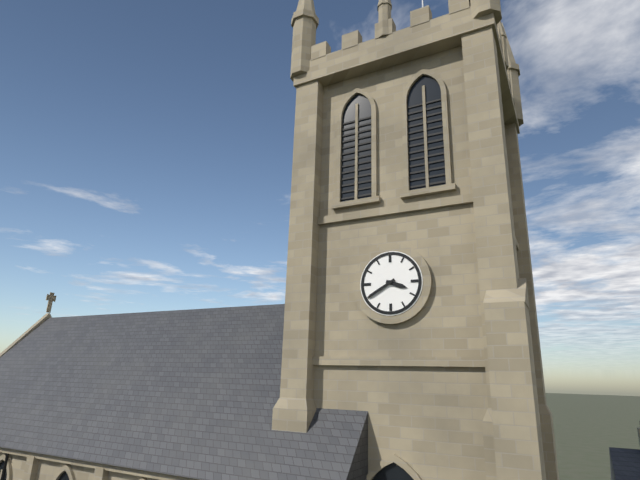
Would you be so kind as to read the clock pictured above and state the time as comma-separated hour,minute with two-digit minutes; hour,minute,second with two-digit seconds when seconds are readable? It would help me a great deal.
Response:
3,40
